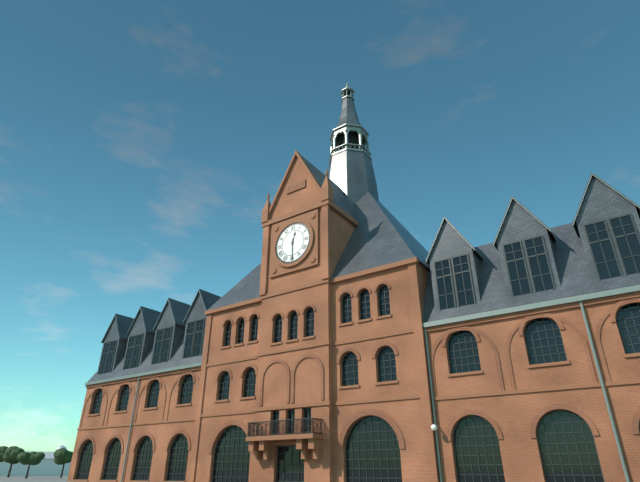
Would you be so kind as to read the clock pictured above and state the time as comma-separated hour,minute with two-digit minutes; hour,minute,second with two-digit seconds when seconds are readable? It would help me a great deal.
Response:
12,30
